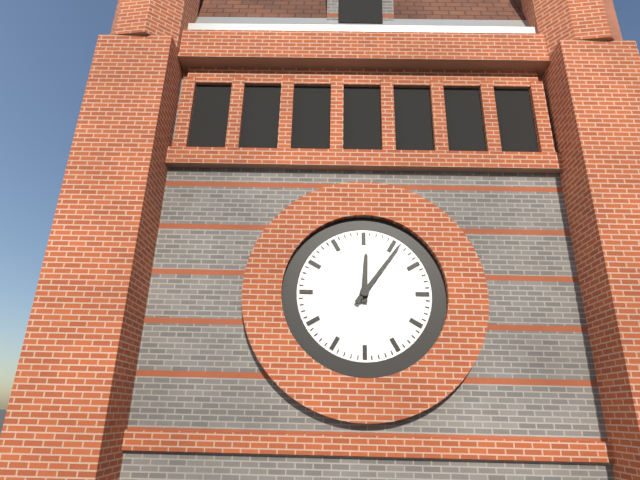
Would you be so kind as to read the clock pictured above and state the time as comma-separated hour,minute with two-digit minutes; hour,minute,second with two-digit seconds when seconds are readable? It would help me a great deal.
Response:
12,06
